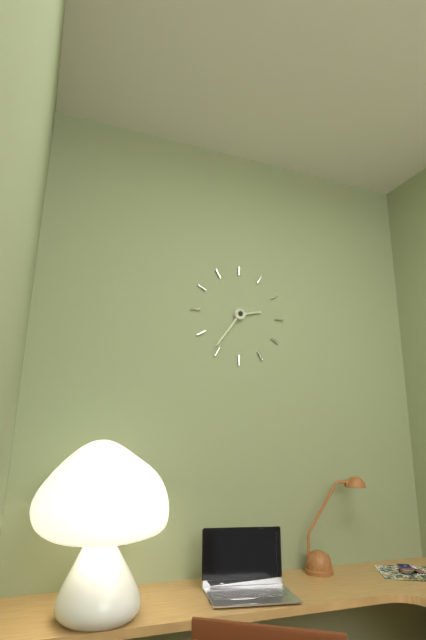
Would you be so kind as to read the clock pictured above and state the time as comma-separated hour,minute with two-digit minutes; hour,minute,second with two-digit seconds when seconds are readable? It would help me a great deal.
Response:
2,36
